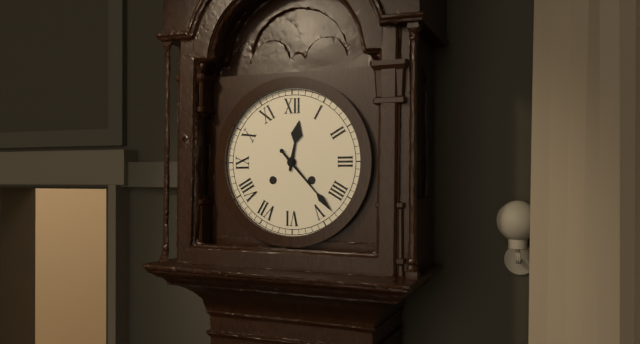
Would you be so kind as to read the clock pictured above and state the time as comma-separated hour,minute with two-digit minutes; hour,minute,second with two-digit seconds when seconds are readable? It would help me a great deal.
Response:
12,23
